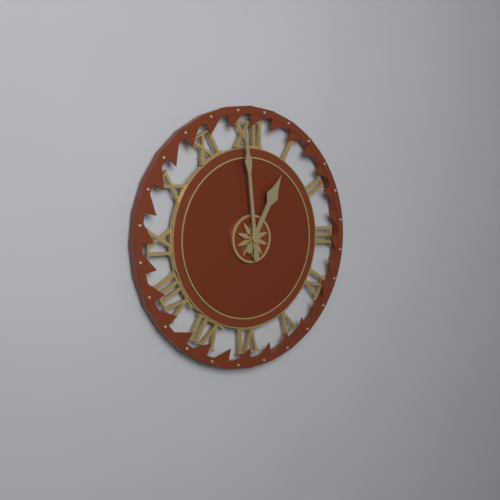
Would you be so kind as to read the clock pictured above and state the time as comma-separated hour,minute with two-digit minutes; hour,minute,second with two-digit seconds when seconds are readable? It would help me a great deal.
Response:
12,59
